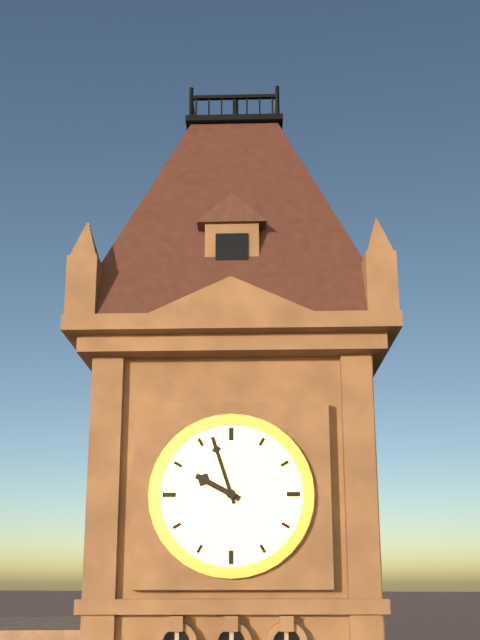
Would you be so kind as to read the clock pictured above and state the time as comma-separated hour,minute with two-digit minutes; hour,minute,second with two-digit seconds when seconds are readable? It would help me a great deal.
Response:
9,57
